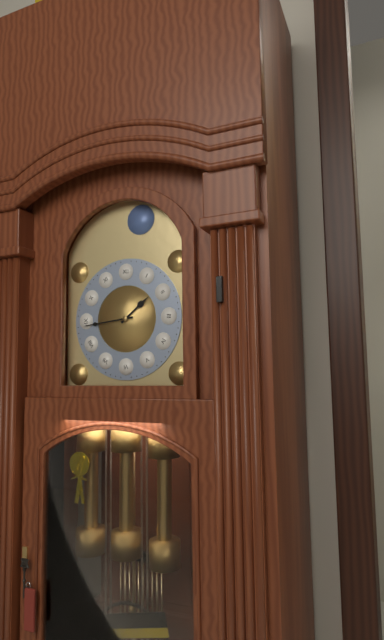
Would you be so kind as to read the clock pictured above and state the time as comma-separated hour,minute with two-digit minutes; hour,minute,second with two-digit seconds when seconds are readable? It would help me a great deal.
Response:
1,44
